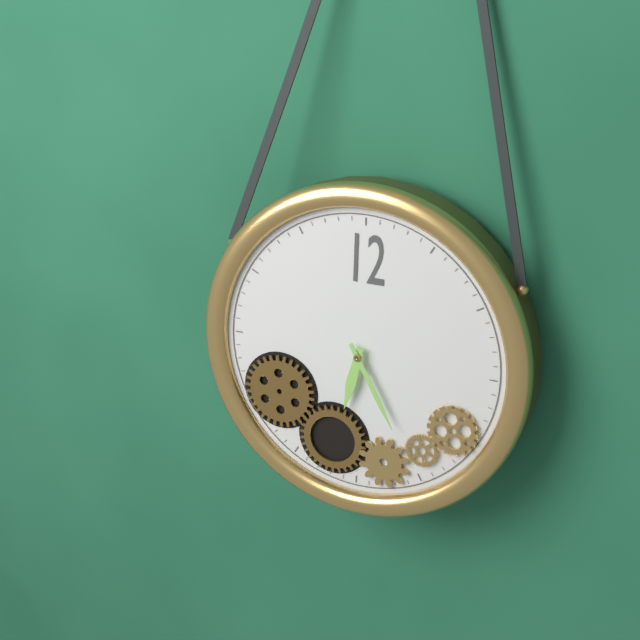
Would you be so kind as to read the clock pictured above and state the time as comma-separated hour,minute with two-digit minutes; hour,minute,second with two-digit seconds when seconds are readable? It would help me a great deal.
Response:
6,25
